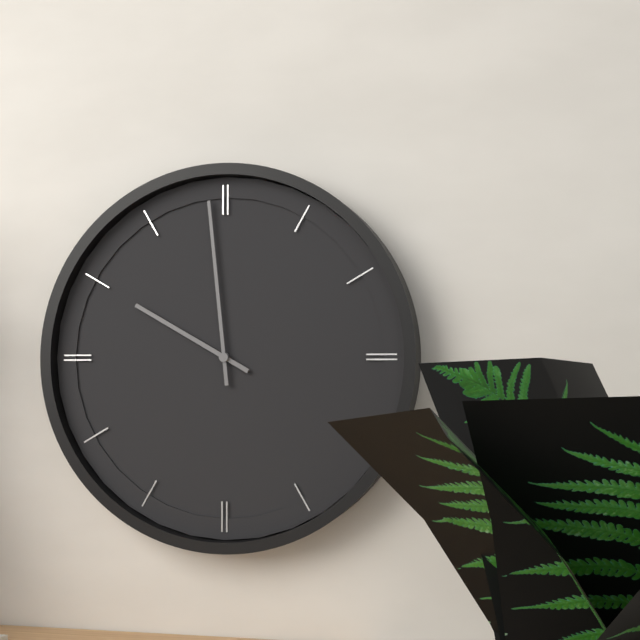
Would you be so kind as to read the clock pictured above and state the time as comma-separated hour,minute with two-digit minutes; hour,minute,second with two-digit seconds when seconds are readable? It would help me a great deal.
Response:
9,59
